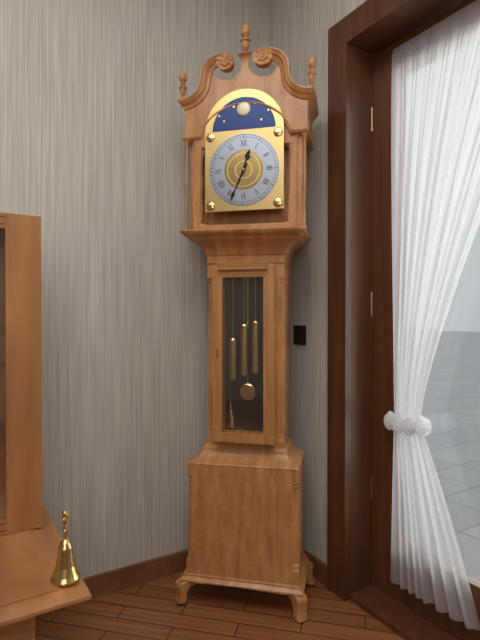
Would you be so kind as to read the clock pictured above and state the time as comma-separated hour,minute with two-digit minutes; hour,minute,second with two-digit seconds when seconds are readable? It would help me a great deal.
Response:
12,34
